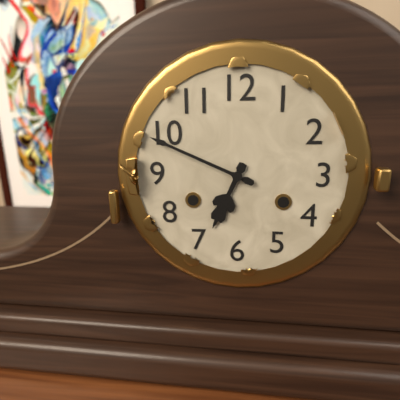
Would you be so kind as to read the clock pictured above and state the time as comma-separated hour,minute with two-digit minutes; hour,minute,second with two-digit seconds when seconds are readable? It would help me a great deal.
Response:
6,49
